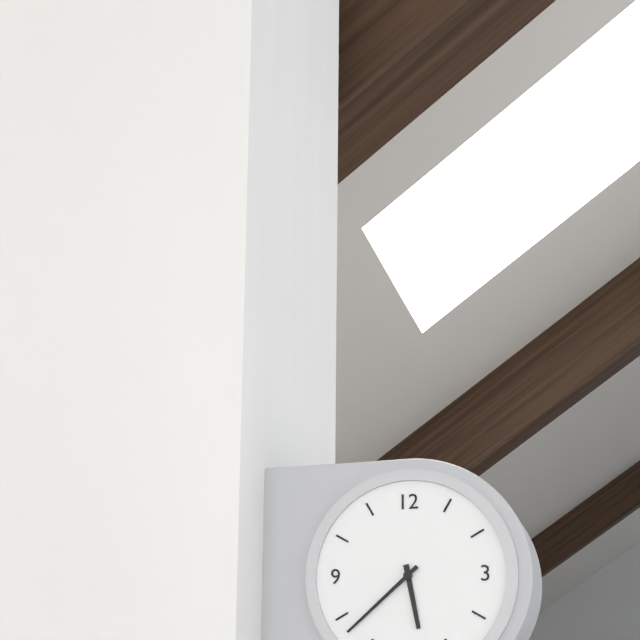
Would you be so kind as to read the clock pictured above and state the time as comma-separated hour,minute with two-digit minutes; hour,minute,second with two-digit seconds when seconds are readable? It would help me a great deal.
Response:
5,38
